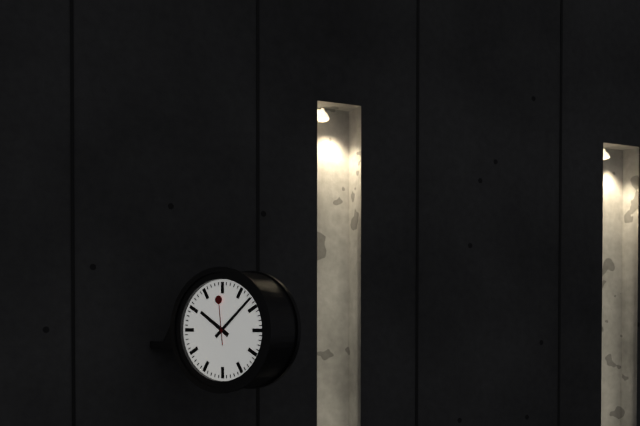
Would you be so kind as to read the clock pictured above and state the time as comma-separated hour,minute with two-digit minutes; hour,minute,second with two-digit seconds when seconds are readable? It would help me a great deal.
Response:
10,08
